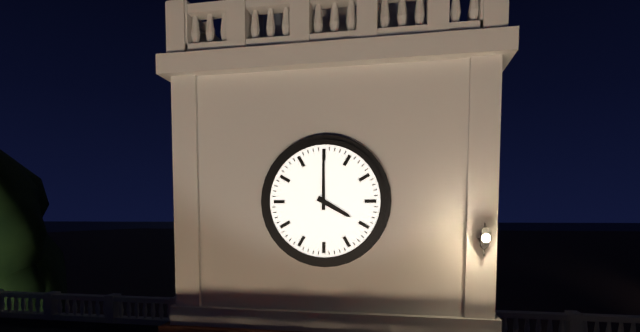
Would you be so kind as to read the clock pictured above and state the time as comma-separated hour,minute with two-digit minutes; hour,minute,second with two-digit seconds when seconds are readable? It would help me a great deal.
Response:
4,00
